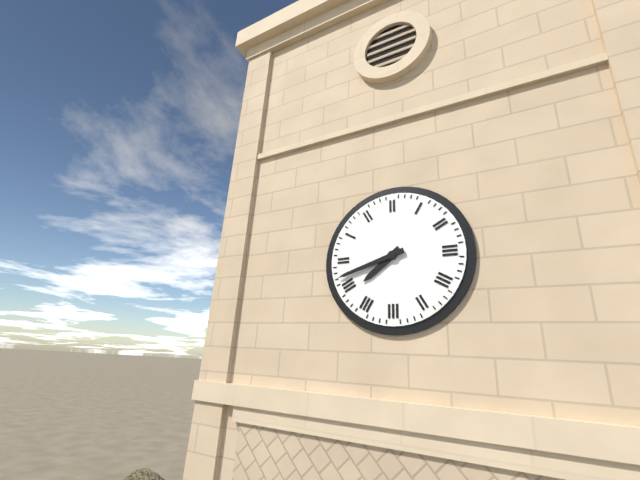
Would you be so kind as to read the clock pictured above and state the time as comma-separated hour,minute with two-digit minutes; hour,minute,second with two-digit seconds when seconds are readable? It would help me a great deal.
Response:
7,42
